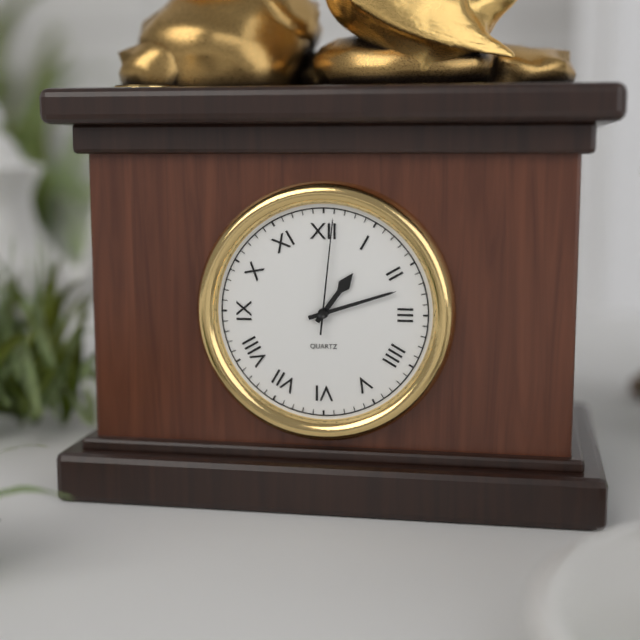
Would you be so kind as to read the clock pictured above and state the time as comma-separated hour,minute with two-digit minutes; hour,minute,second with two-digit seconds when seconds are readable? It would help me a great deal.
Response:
1,12,01
